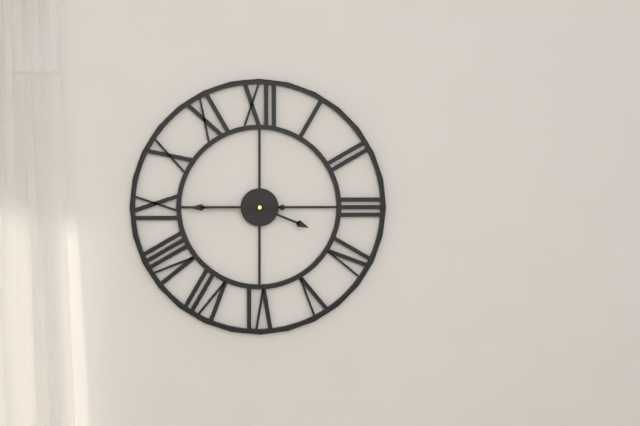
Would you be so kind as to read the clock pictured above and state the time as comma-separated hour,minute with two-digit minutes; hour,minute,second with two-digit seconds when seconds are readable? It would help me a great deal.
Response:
3,45
